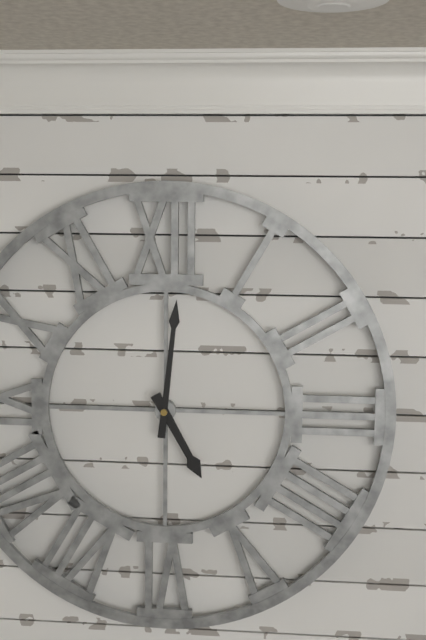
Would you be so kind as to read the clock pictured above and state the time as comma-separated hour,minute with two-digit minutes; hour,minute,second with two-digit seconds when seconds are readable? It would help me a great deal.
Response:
5,01
